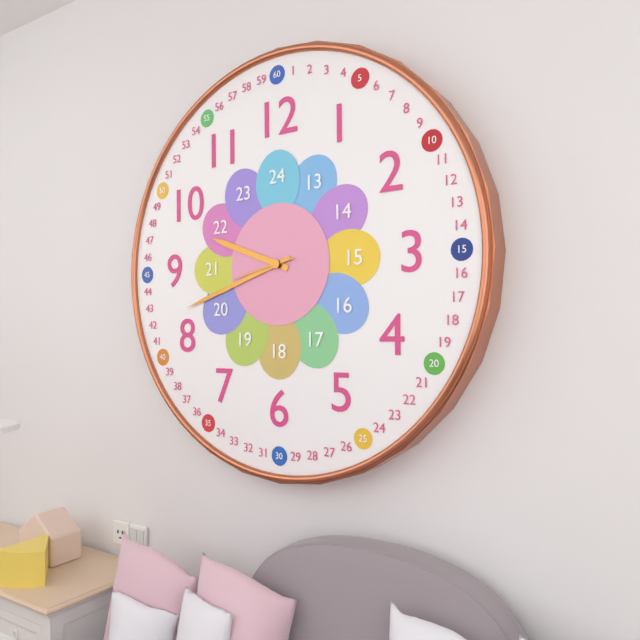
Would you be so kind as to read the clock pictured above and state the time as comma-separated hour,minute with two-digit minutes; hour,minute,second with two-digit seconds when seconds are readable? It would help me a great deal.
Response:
9,42,43
